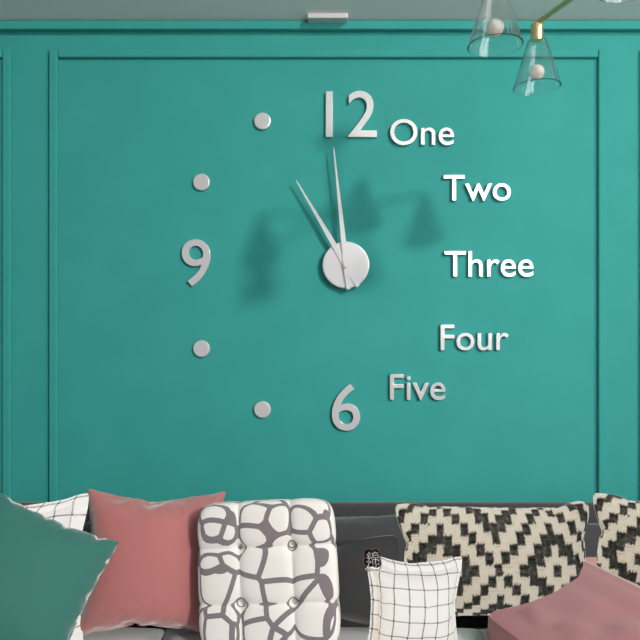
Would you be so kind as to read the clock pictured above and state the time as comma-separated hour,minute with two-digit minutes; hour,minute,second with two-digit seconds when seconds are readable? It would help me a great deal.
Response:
10,59
